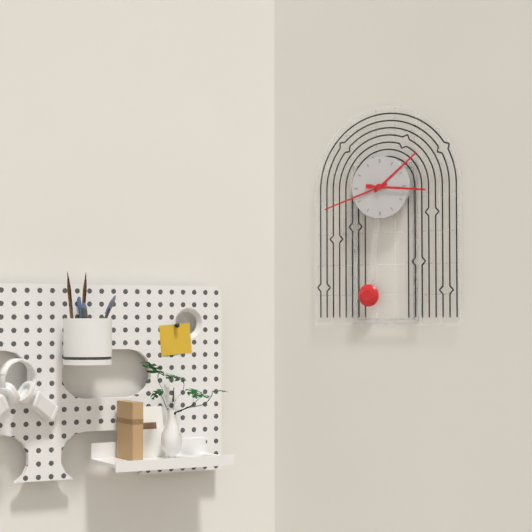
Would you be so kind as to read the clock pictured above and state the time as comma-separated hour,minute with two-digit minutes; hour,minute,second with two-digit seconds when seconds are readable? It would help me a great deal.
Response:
1,42,16
